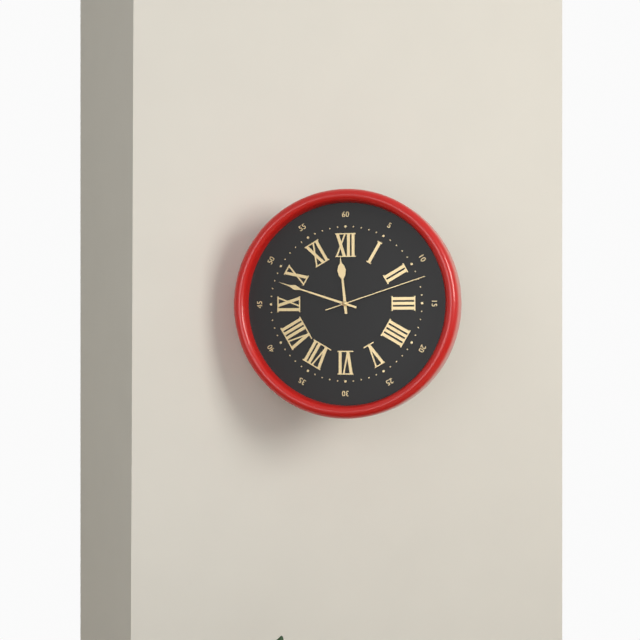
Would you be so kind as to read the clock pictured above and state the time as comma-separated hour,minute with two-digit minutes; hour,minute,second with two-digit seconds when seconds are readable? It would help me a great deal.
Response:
11,48,12
